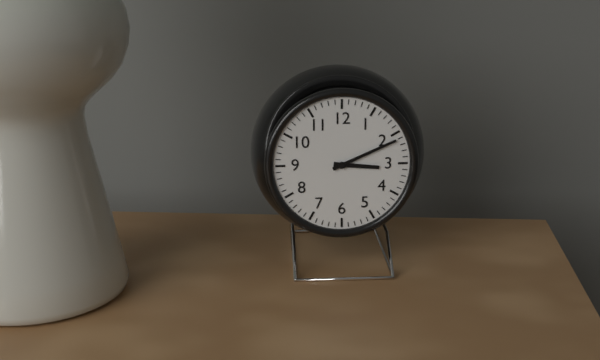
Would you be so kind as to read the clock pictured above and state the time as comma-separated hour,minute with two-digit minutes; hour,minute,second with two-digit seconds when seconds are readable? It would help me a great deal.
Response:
3,11
